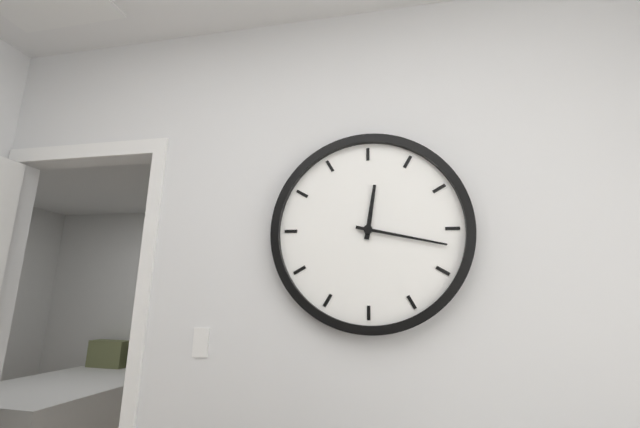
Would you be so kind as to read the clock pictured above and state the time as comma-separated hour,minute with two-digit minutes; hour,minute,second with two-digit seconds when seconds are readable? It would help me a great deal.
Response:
12,17
